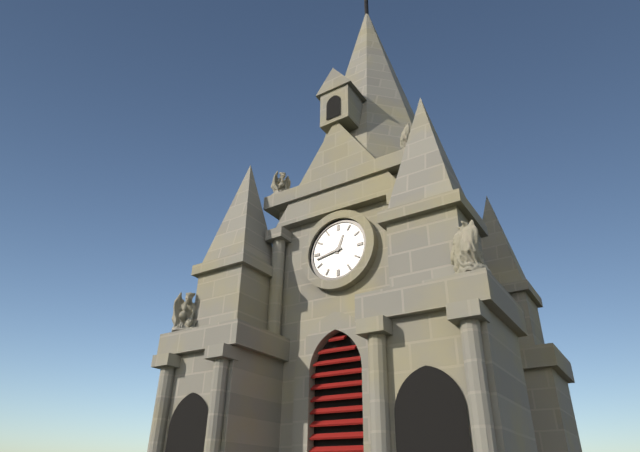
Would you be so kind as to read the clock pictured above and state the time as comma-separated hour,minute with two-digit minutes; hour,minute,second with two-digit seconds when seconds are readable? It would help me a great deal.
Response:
12,43
